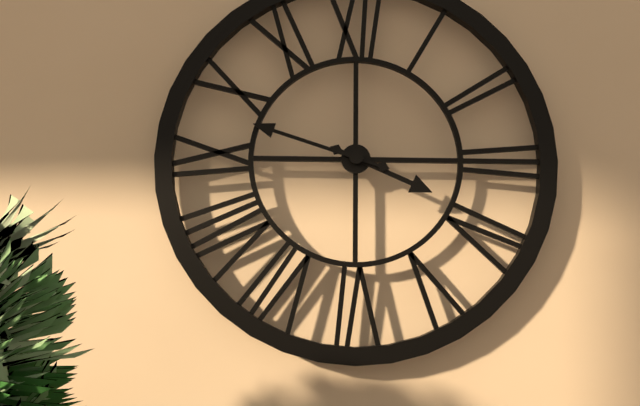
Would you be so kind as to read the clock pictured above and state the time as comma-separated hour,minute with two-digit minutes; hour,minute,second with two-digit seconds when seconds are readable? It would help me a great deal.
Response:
3,48
